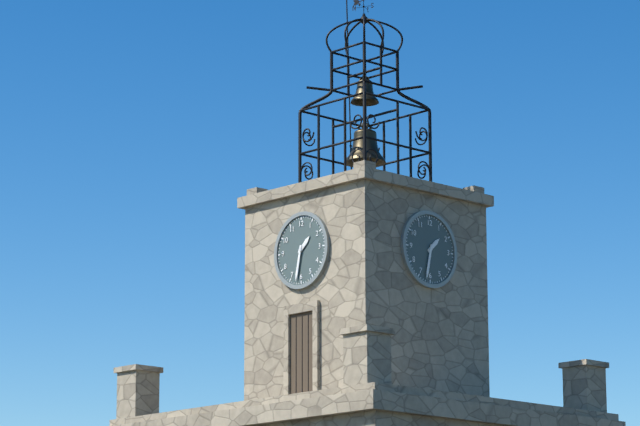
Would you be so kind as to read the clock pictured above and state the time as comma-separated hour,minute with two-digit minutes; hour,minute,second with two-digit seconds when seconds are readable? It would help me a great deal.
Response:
1,32
